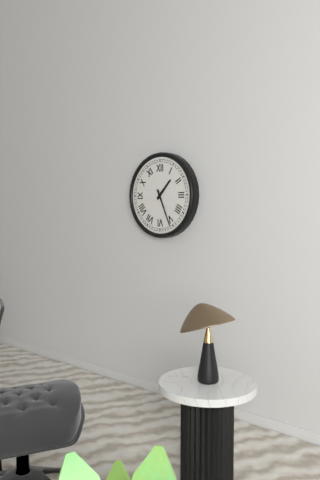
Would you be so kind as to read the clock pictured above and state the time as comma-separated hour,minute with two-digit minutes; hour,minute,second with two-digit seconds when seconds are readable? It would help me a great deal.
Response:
1,26
